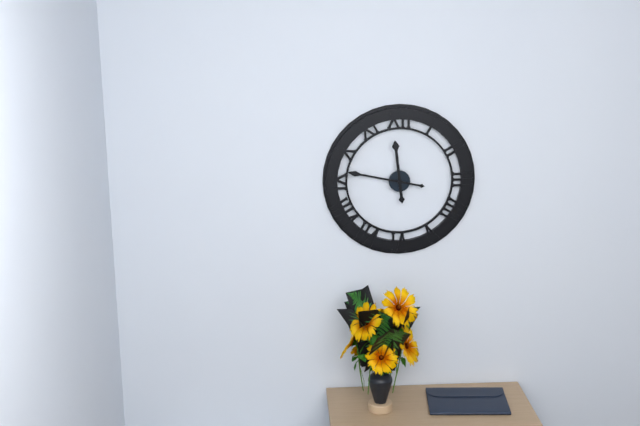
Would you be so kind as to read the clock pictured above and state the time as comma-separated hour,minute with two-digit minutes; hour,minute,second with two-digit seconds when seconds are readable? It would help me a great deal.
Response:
11,47
